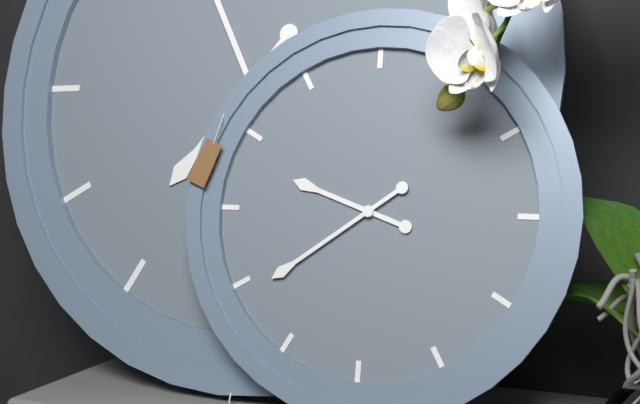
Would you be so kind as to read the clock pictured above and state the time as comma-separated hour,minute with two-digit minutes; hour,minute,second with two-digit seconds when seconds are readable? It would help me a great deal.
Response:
9,39
